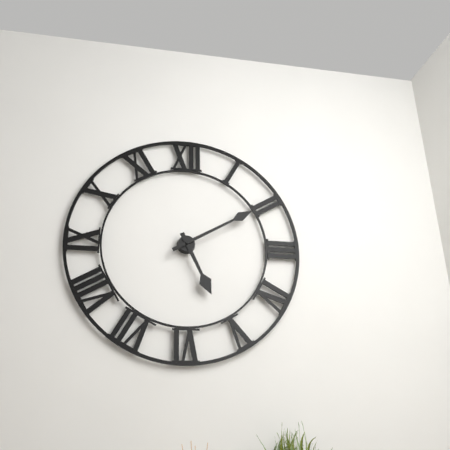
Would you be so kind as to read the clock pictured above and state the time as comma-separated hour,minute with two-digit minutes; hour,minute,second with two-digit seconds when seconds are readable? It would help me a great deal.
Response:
5,10
